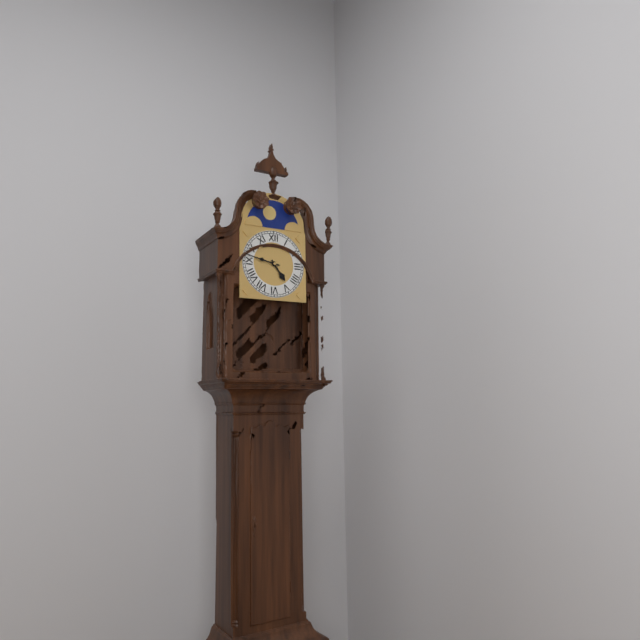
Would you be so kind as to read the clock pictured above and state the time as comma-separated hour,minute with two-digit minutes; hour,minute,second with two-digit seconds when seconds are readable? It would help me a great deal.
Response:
4,47
